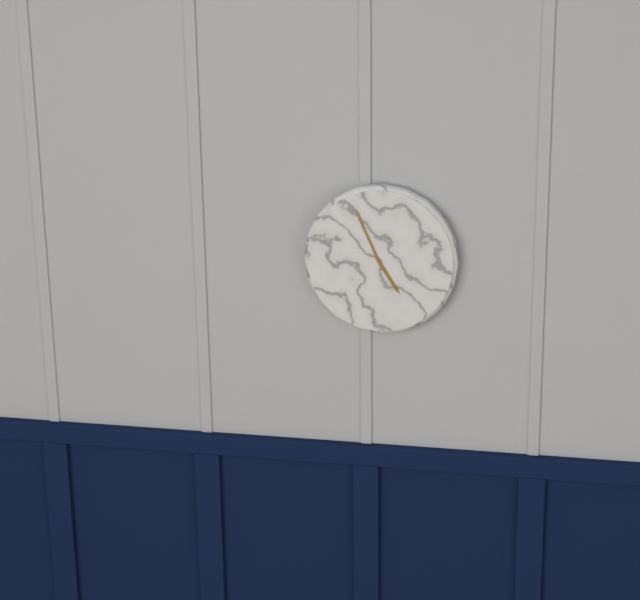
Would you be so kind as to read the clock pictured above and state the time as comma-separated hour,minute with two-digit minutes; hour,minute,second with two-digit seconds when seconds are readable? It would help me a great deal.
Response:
4,56
